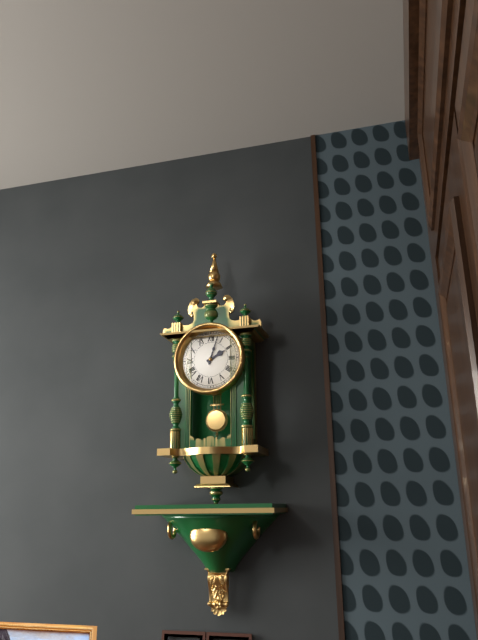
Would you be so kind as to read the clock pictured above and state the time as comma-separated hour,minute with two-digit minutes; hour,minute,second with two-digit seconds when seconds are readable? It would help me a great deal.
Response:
2,03
